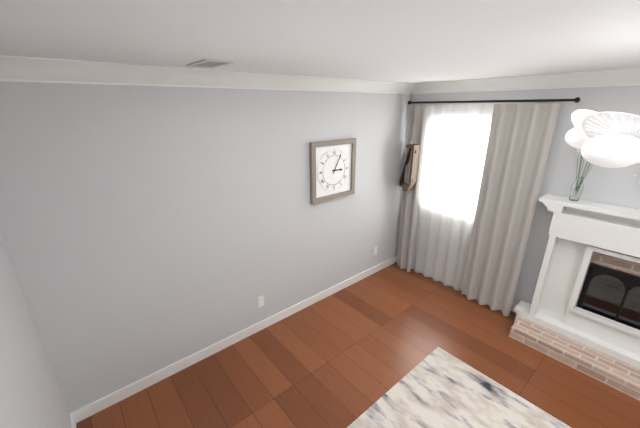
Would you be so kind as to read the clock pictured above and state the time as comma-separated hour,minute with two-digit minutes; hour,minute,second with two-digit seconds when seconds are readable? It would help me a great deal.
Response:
3,05
